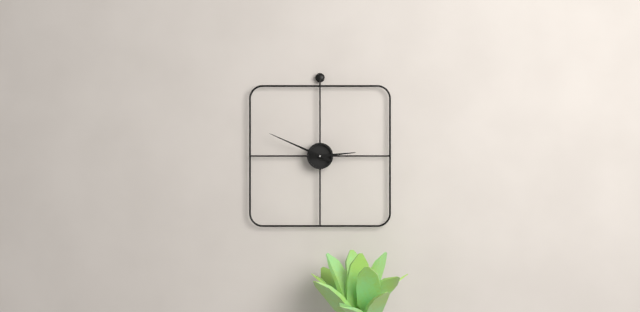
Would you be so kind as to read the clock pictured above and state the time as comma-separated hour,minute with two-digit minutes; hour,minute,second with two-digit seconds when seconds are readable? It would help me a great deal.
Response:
2,49
